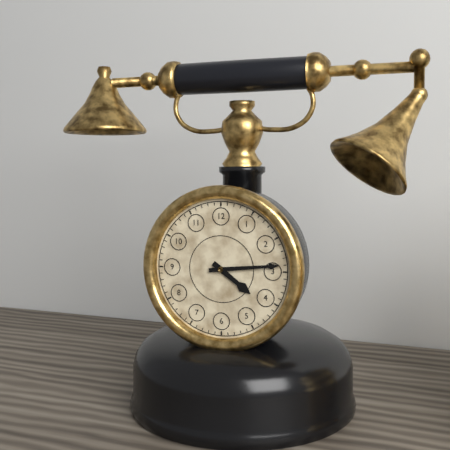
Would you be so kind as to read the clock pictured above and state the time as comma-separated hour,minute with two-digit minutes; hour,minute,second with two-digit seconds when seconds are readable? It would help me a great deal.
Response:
4,14
